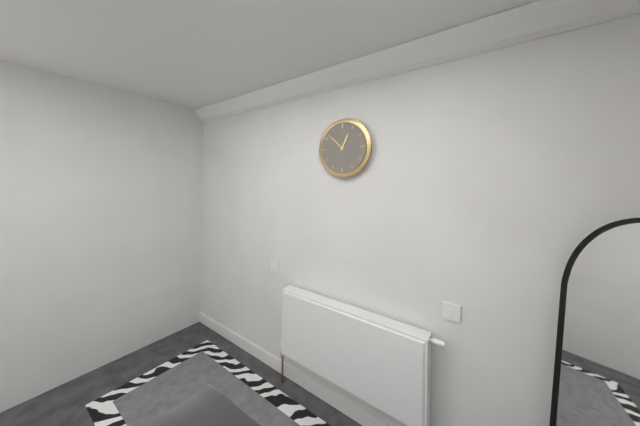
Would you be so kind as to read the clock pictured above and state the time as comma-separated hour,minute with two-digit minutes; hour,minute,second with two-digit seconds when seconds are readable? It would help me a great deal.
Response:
12,52
